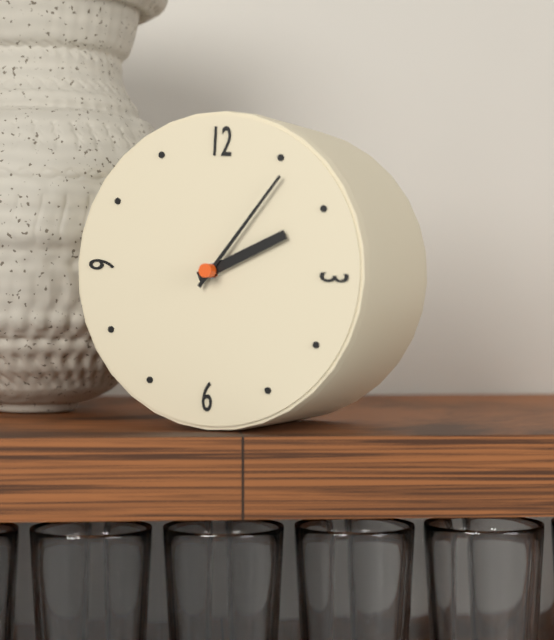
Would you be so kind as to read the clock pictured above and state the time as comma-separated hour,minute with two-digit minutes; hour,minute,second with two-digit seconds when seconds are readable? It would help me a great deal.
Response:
2,06
